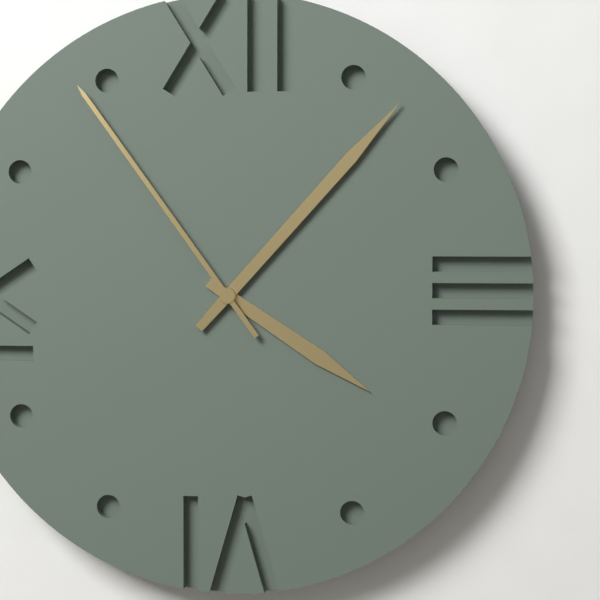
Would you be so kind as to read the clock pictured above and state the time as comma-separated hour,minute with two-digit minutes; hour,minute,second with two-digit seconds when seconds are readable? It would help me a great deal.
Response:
4,07,54
